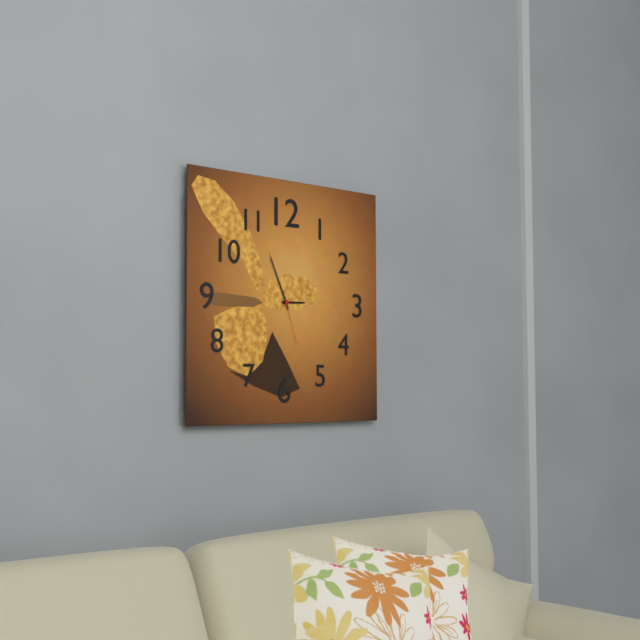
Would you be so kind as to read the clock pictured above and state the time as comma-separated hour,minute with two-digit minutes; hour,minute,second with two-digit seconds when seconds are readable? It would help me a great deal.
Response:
2,56,27
